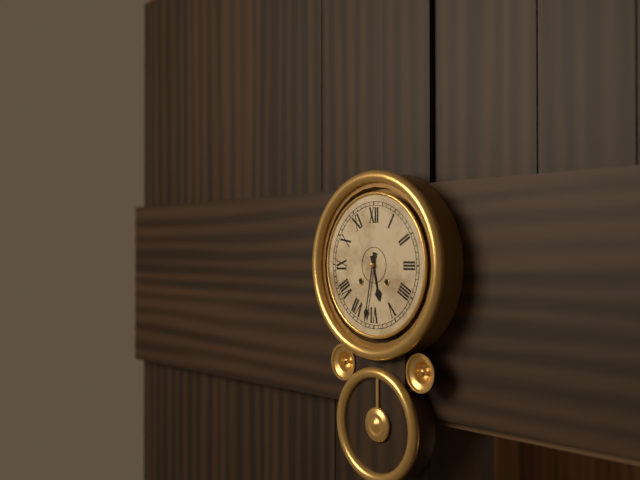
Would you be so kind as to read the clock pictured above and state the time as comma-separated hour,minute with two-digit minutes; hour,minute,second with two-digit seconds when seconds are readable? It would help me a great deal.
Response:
5,32
